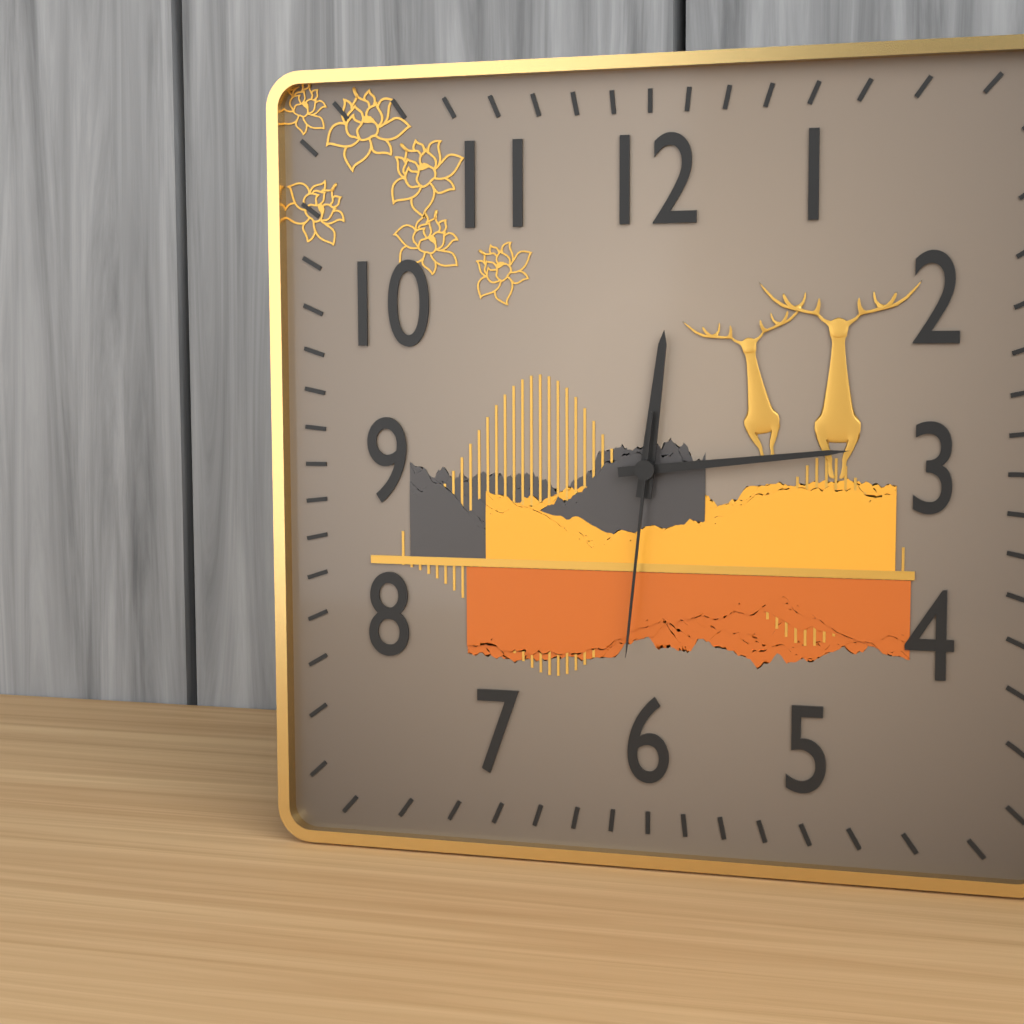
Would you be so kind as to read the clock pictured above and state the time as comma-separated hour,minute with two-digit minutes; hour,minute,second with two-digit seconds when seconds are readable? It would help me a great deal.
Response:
12,14,31
